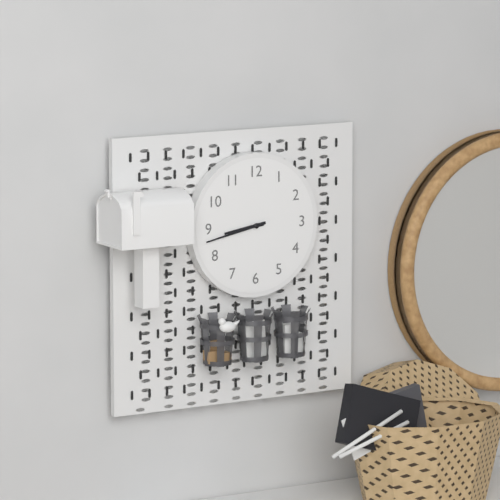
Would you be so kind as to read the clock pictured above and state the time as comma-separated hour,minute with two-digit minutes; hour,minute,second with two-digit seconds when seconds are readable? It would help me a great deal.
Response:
8,43
